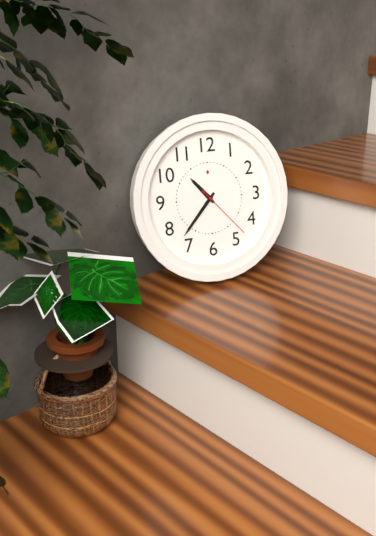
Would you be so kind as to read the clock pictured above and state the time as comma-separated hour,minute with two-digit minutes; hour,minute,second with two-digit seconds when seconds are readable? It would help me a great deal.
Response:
10,37,23
